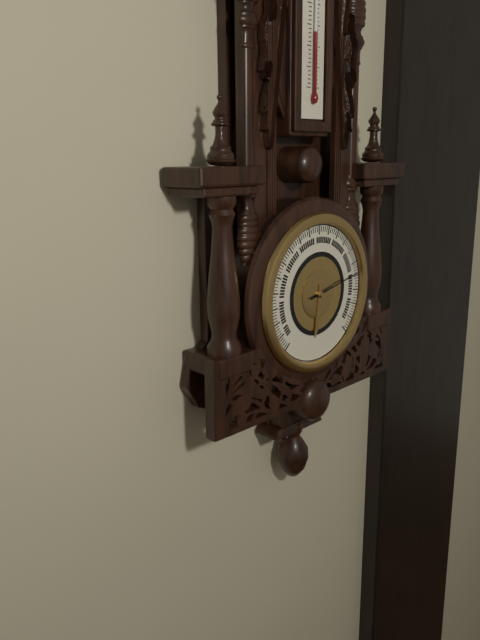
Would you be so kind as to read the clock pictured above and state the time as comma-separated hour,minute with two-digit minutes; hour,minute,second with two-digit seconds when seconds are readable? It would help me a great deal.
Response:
6,13
